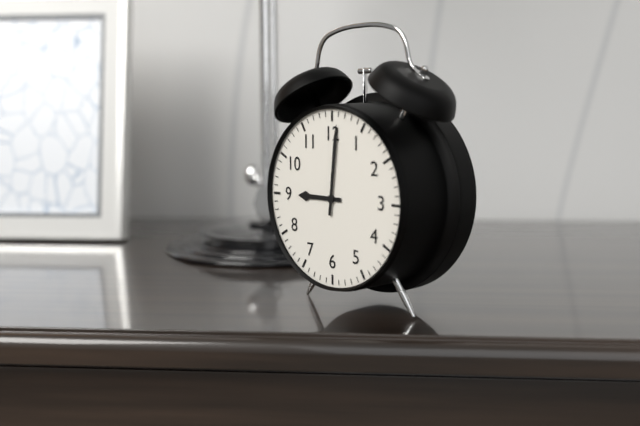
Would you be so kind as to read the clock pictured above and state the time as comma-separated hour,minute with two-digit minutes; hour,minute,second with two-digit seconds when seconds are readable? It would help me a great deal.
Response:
9,01
